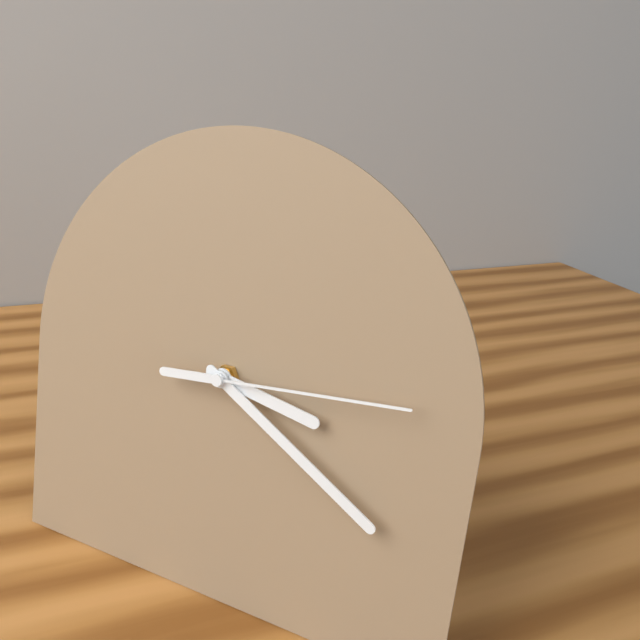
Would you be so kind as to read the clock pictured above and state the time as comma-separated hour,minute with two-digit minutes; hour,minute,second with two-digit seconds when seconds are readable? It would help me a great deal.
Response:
3,20,14
